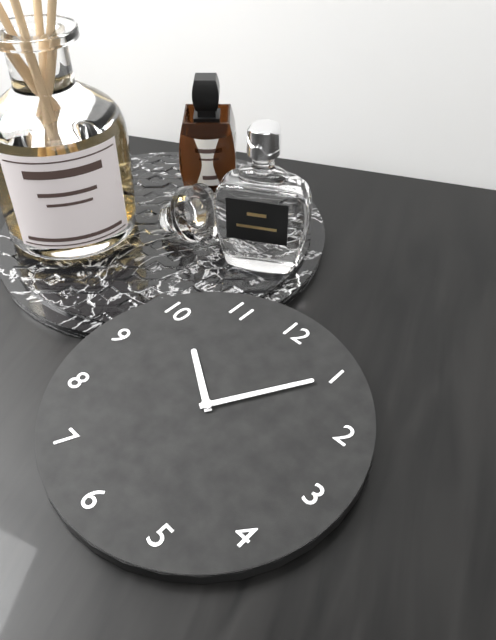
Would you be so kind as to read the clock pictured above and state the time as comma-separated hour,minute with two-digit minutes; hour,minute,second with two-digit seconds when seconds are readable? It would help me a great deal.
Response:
10,05
